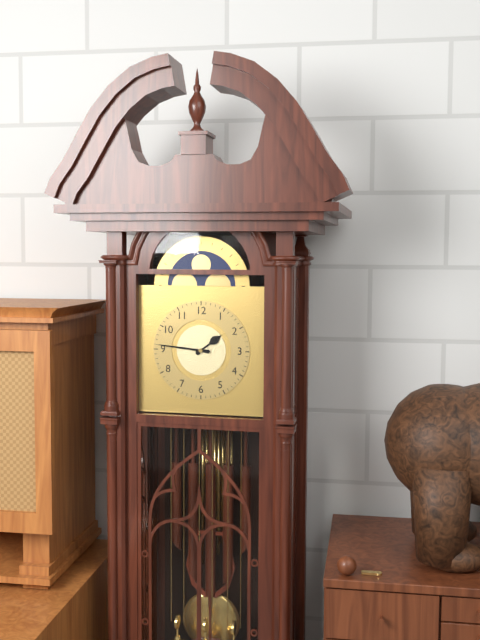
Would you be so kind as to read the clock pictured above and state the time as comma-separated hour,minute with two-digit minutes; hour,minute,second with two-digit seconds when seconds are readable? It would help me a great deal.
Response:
1,46
